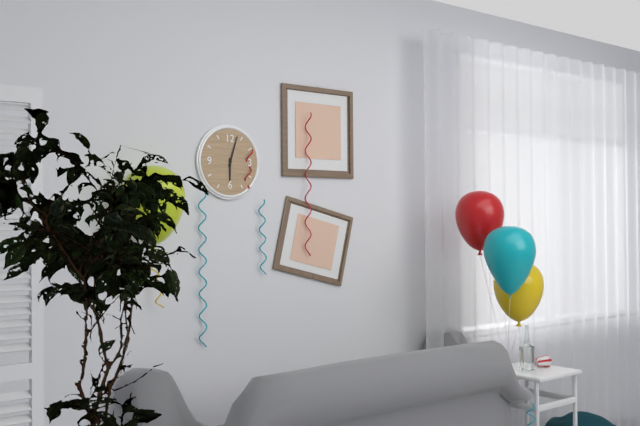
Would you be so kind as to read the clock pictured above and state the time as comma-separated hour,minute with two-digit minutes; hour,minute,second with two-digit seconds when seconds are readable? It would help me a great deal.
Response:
6,03
